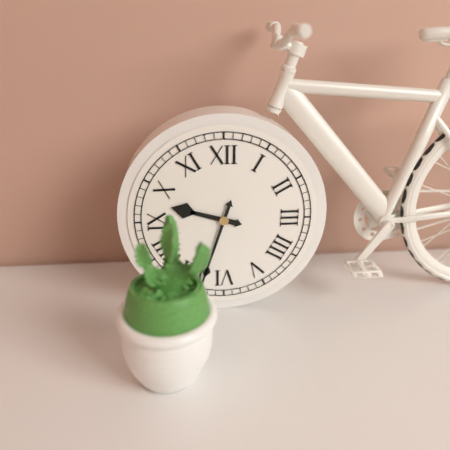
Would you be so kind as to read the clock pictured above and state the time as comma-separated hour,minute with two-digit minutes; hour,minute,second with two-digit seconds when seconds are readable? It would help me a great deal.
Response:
9,33
